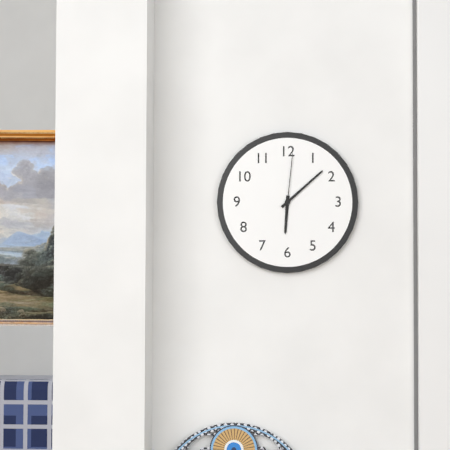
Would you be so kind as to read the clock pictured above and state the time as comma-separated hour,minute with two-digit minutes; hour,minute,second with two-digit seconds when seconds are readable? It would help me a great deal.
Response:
6,08,01
